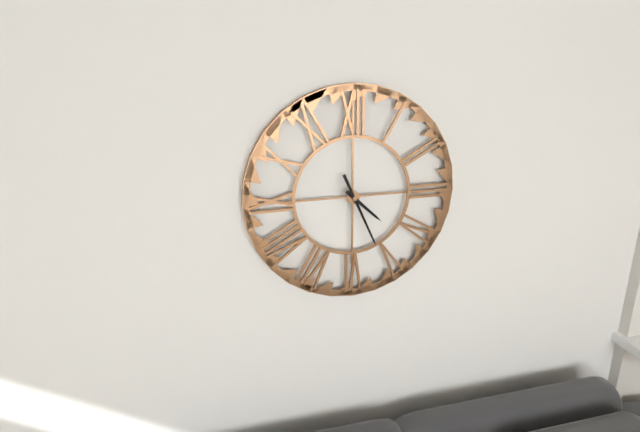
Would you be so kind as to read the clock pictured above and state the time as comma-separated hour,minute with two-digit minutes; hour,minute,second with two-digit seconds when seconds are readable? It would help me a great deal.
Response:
4,26
